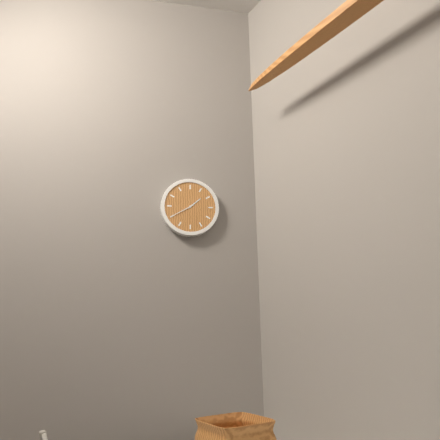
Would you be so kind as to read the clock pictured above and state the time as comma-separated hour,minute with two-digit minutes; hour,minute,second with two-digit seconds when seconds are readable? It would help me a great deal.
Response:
1,40
